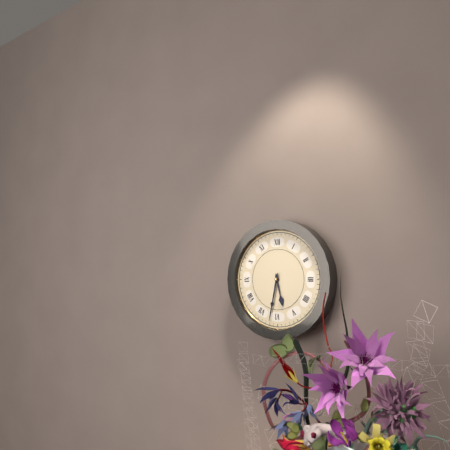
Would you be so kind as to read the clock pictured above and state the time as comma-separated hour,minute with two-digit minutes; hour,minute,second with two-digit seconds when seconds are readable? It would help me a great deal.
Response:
5,32
